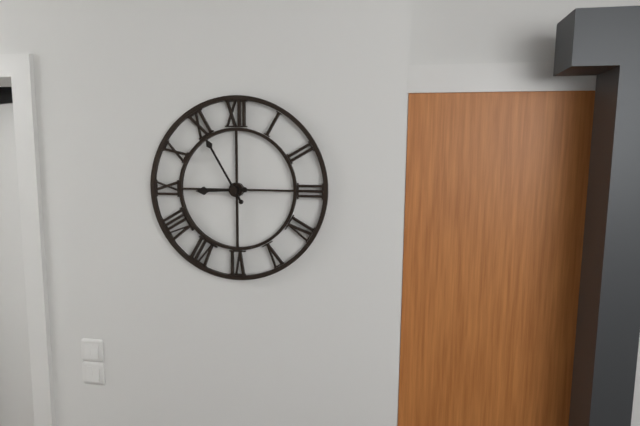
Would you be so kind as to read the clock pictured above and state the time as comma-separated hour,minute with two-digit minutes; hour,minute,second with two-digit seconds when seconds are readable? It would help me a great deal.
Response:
8,55
